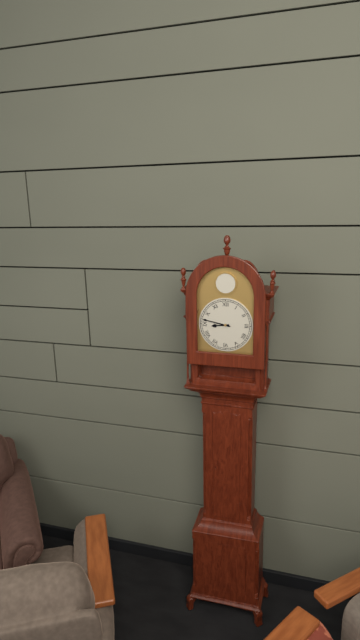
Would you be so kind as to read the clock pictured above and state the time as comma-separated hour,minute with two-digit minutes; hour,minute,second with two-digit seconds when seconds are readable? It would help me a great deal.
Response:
8,47
